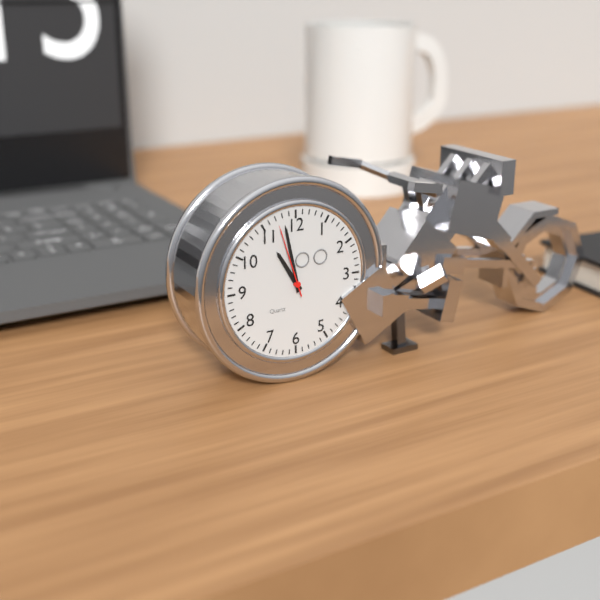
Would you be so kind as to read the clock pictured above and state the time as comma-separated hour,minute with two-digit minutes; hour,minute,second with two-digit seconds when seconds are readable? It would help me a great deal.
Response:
10,58,57
